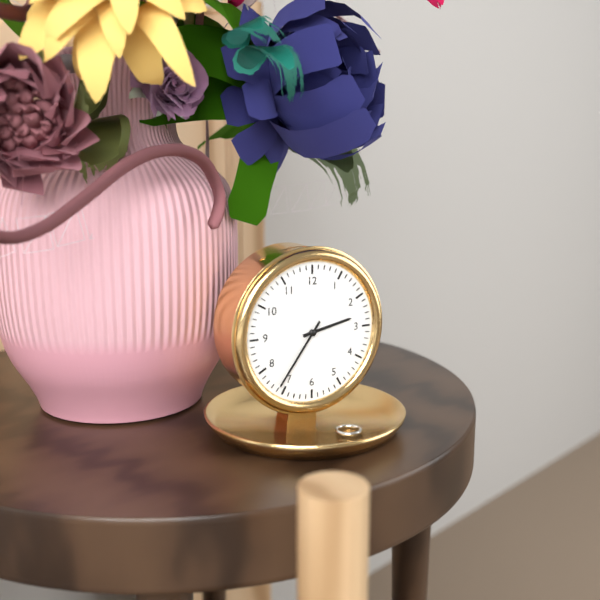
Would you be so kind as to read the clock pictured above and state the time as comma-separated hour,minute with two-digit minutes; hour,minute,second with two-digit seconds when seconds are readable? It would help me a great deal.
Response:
2,36
